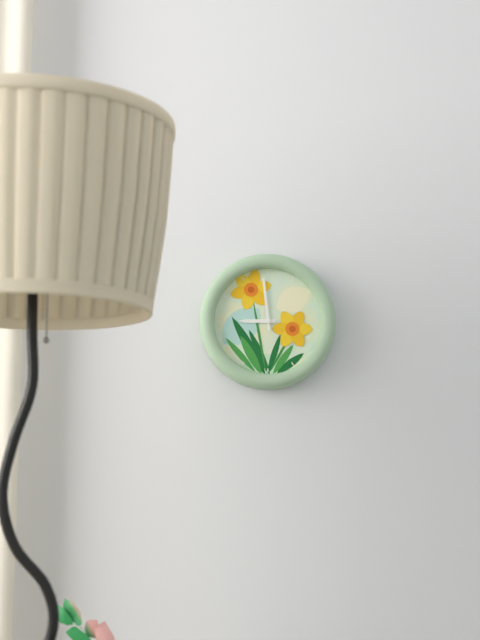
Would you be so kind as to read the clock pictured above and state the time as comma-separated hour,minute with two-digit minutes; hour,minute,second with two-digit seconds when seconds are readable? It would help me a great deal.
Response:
8,59
